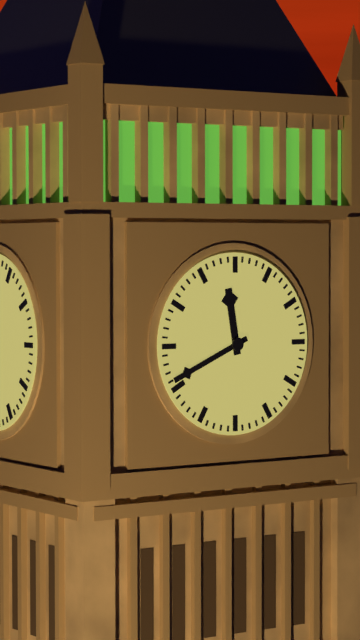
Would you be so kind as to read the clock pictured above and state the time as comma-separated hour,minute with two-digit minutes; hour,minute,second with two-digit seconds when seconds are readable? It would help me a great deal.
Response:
11,41
